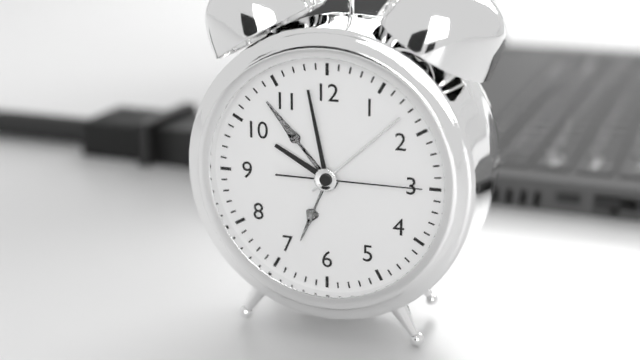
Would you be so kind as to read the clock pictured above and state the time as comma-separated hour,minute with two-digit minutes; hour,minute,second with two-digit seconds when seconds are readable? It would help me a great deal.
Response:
9,58,15
